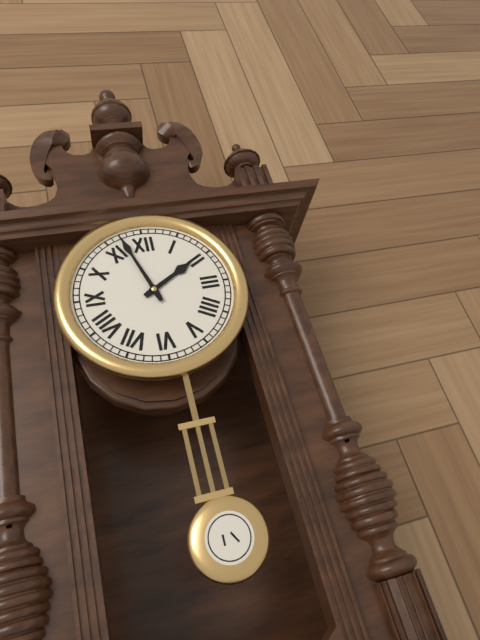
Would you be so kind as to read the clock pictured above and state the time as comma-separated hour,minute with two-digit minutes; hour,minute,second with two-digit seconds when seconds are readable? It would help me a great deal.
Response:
1,57
